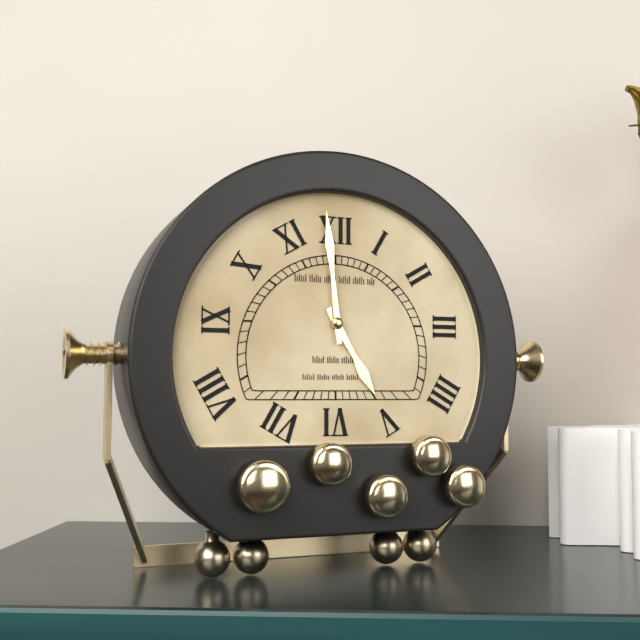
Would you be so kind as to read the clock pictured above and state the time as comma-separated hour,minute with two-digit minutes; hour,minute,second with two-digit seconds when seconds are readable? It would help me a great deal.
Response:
4,59
